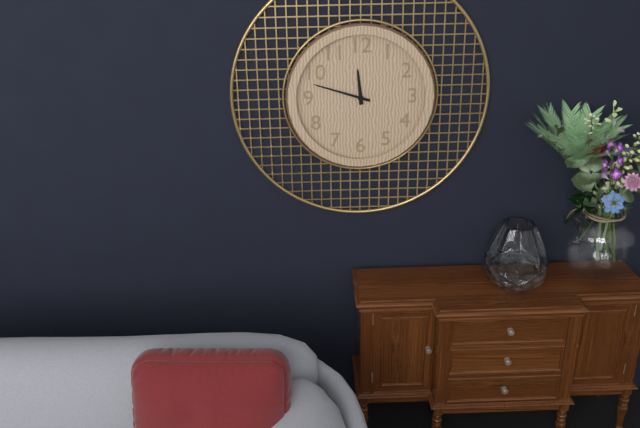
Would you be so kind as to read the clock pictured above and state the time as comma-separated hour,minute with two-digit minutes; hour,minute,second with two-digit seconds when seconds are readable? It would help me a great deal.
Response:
11,48
